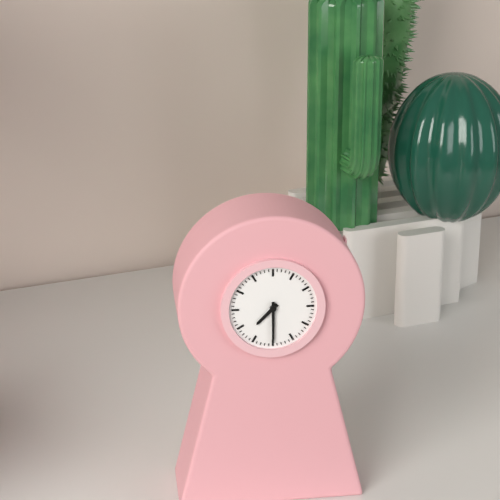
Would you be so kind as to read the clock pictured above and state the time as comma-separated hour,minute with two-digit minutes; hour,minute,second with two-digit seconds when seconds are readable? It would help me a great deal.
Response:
7,30
